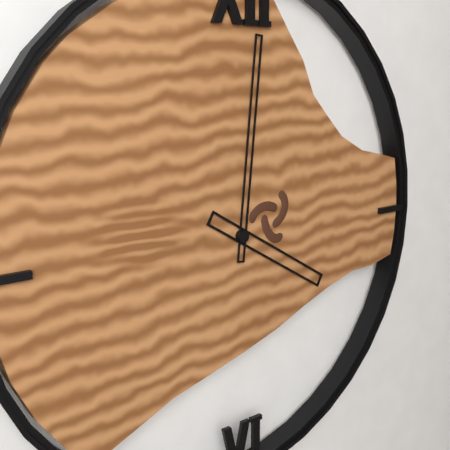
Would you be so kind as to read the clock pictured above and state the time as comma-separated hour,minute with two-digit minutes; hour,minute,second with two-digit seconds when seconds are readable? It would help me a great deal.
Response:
4,01
